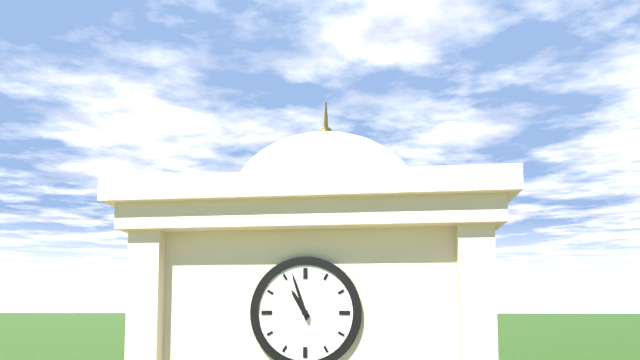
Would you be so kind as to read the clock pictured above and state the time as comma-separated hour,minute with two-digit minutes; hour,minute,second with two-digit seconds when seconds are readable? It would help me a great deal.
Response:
10,57
